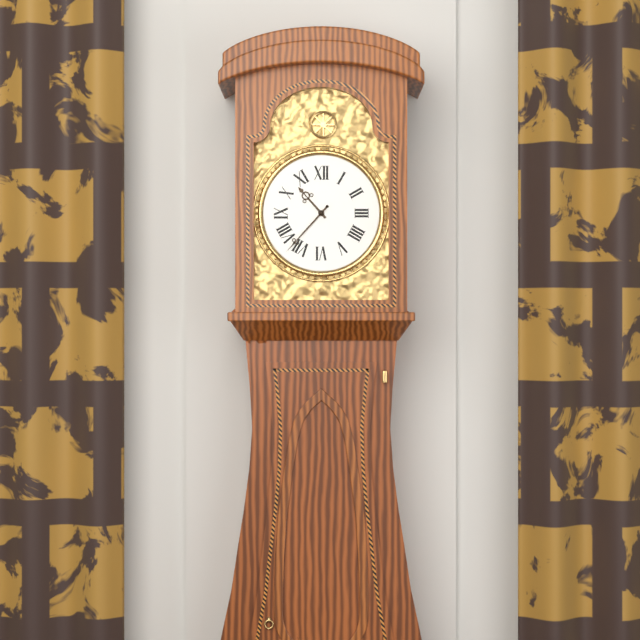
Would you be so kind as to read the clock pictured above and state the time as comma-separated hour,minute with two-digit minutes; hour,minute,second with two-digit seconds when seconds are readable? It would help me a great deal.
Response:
10,37
